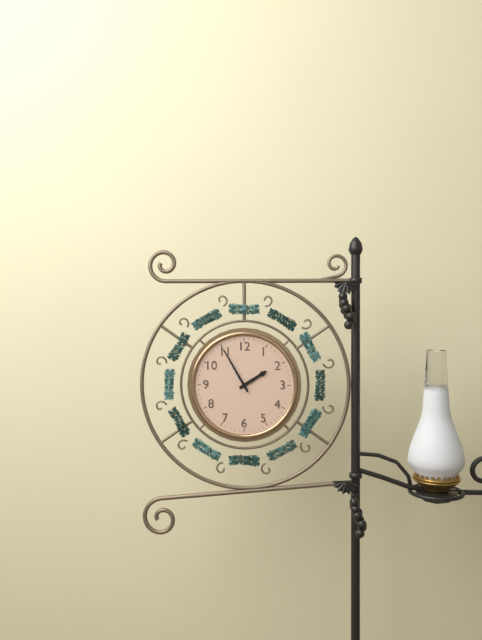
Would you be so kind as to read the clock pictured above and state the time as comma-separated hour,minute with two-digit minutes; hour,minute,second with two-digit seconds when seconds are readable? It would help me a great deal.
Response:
1,55
